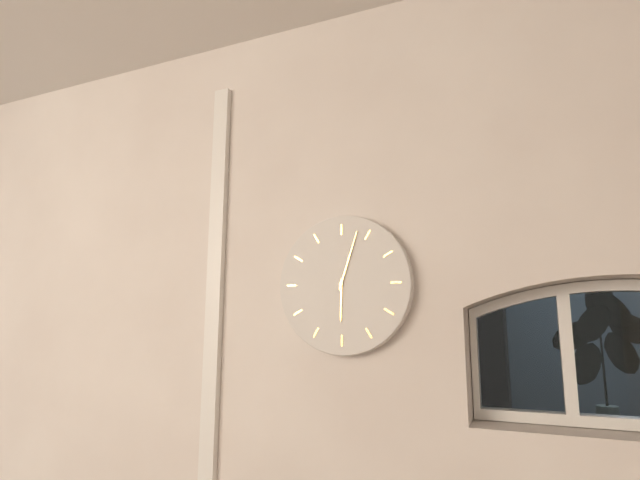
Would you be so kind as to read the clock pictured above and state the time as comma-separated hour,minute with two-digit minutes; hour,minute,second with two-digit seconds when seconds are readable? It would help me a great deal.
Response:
6,03
